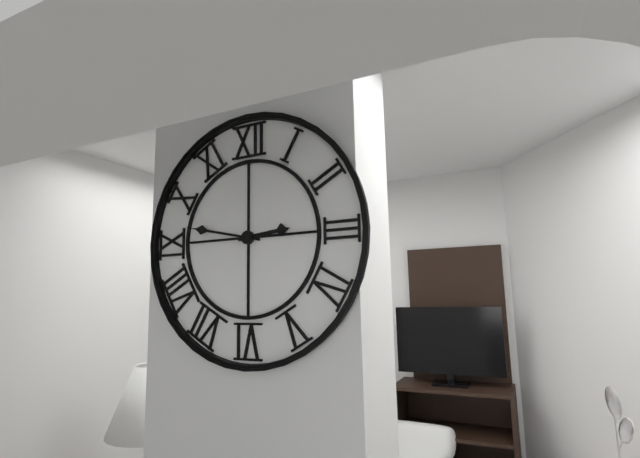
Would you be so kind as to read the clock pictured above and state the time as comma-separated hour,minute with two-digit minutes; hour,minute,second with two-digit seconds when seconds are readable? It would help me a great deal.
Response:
2,47
